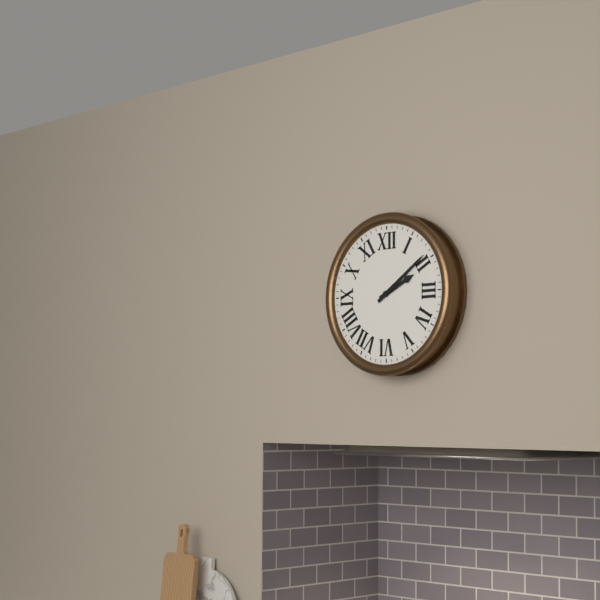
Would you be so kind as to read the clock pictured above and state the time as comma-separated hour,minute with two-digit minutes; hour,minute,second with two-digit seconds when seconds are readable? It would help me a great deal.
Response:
2,09
